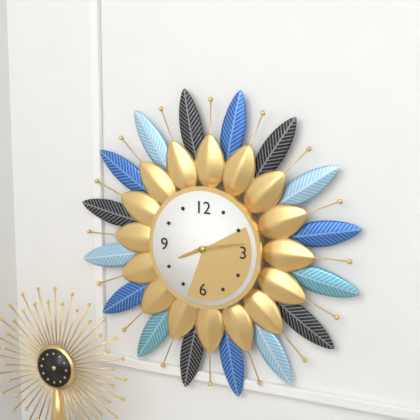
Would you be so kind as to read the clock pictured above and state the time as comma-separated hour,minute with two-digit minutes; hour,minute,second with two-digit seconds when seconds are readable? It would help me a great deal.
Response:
8,13
